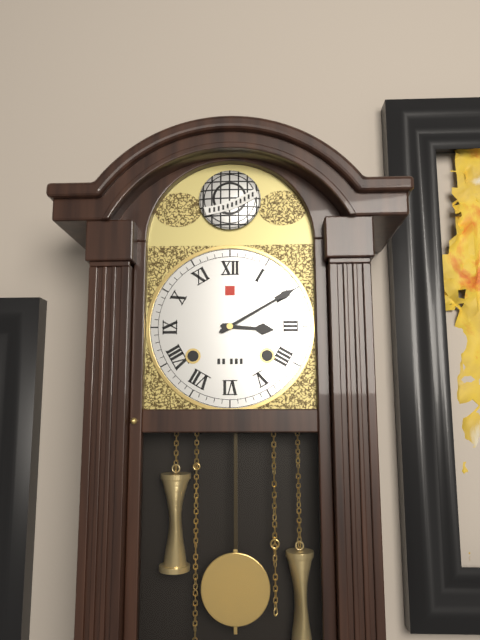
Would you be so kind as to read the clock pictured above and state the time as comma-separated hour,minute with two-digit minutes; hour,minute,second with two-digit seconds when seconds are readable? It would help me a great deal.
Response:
3,10
